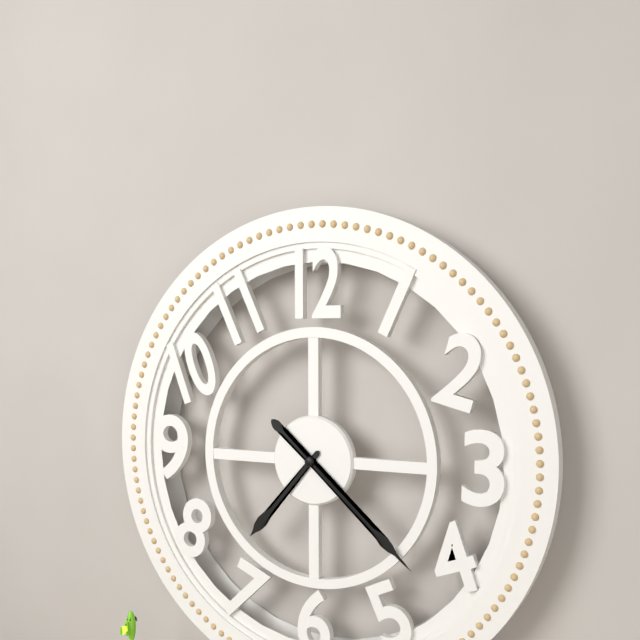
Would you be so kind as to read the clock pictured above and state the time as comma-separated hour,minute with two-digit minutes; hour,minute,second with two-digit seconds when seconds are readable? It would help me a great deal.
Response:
7,22
